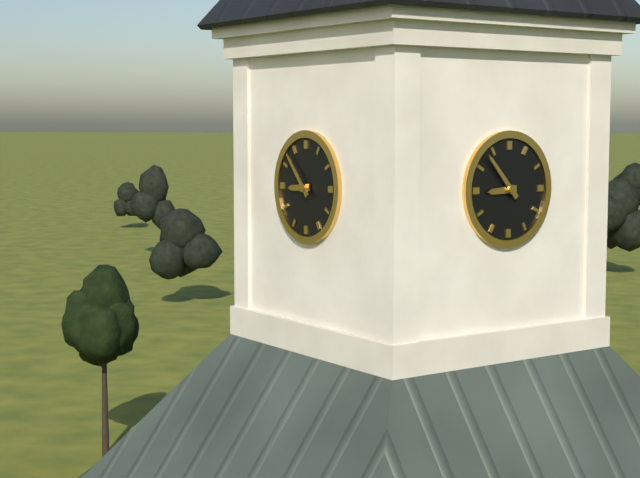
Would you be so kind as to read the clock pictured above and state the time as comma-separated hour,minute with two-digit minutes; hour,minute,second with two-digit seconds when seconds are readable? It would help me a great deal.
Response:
8,53
